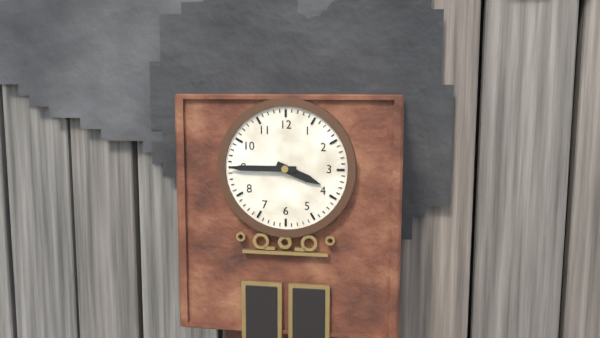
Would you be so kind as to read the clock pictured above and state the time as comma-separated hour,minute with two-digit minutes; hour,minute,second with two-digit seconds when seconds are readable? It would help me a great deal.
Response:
3,45
